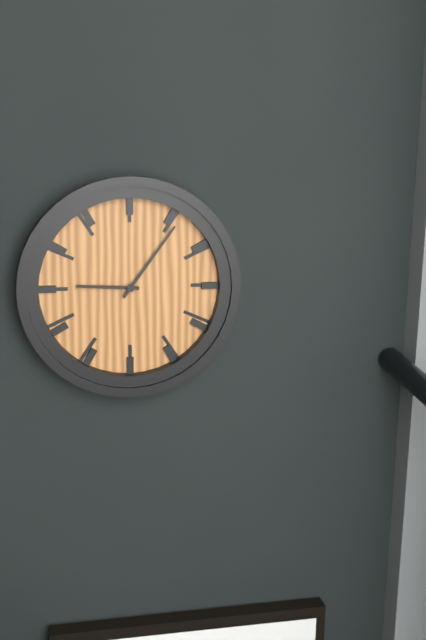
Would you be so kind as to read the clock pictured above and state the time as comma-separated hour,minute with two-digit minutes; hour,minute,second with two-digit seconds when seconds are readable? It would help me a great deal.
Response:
9,06
